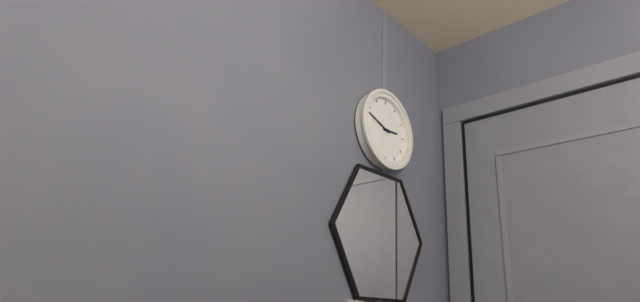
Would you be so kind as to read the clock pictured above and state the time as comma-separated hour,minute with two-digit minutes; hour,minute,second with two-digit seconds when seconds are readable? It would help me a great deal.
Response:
2,48
